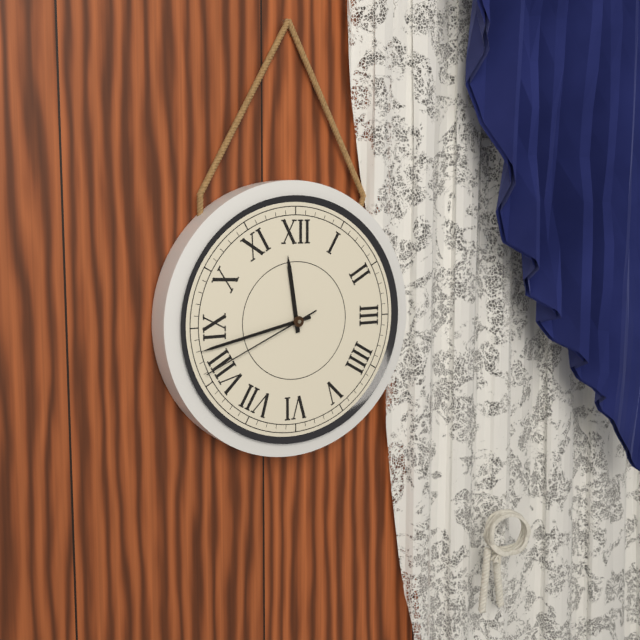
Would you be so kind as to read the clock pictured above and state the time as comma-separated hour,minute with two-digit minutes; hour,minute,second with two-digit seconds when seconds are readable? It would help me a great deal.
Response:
11,43,41
